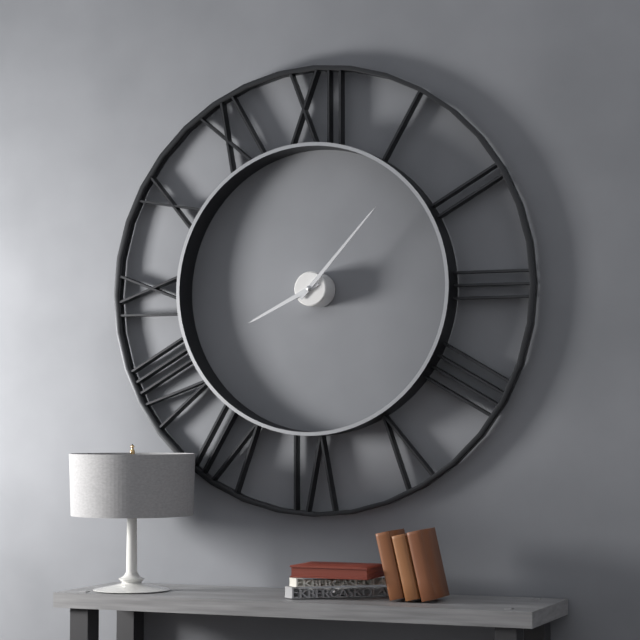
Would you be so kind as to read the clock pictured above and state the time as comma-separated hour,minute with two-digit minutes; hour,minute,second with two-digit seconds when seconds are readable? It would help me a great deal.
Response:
8,07
